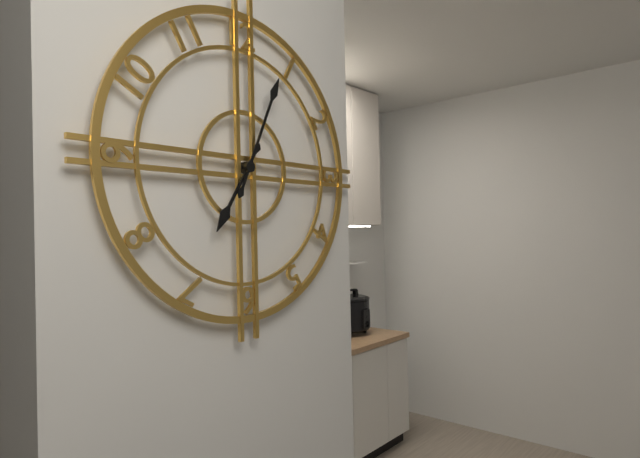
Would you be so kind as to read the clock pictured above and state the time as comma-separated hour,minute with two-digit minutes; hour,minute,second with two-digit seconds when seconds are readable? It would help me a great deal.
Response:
7,04
